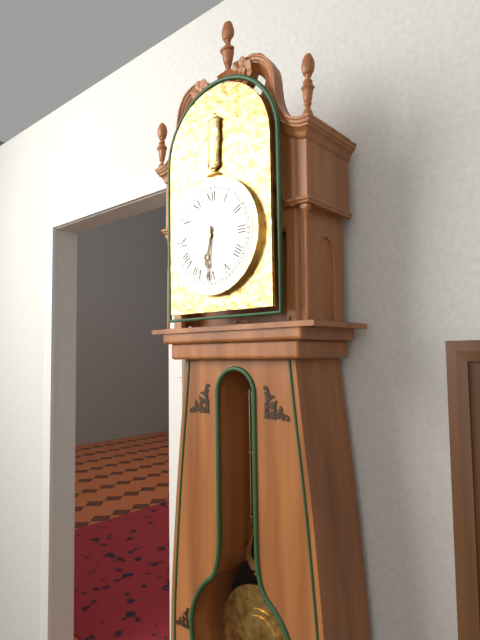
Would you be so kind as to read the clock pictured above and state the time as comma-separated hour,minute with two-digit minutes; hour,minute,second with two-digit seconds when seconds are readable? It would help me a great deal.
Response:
6,31
